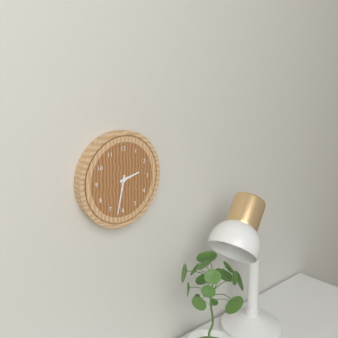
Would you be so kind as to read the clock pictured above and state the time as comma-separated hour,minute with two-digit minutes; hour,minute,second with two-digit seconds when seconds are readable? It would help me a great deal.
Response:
2,32
